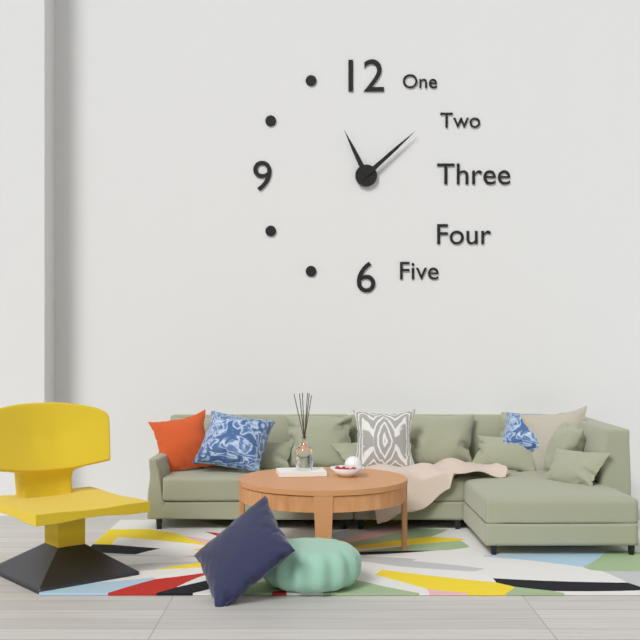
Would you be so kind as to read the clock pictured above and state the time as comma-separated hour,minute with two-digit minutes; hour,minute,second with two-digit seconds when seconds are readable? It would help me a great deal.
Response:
11,08
